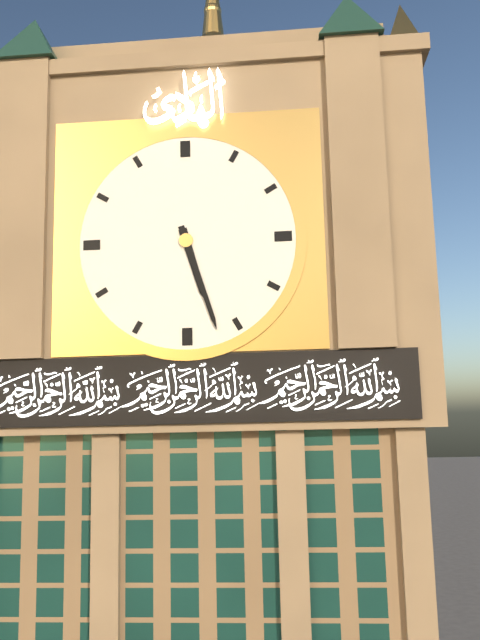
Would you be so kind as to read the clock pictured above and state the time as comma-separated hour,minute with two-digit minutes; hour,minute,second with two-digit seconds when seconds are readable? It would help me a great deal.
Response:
5,27
